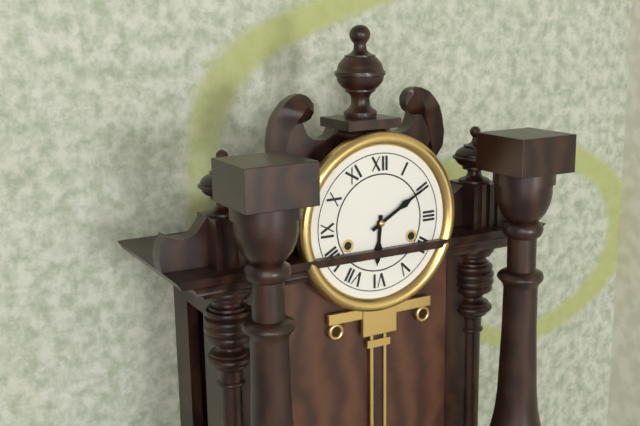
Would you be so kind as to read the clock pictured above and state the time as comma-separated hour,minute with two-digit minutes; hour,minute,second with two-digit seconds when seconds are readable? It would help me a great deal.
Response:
6,10
